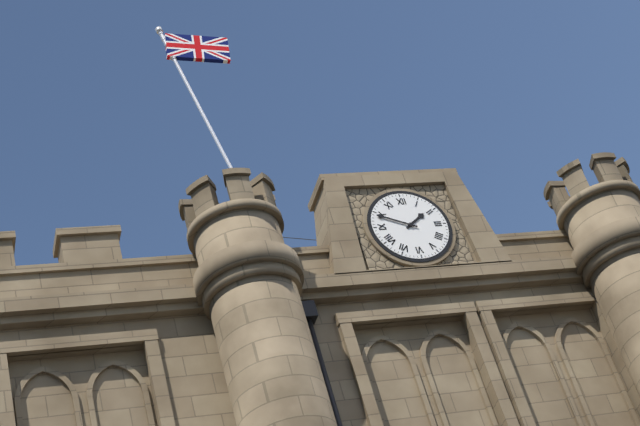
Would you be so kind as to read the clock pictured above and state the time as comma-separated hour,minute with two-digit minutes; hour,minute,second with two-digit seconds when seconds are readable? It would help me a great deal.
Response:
1,49
